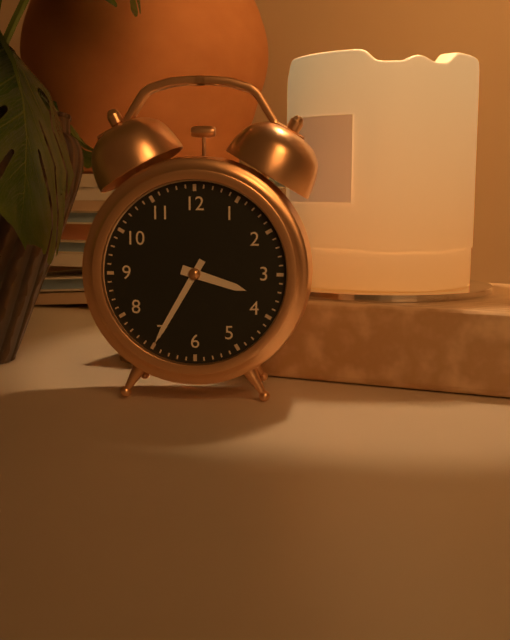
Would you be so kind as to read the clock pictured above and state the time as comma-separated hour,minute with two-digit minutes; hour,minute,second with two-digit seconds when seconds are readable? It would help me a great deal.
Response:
3,35
